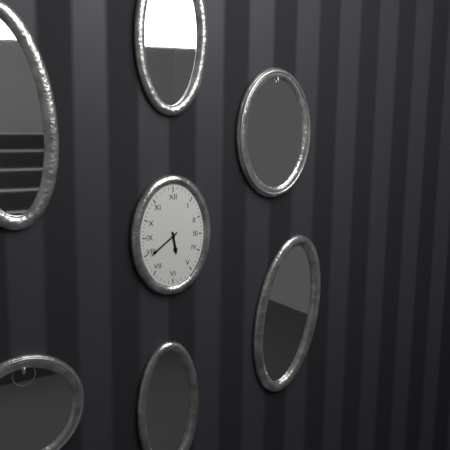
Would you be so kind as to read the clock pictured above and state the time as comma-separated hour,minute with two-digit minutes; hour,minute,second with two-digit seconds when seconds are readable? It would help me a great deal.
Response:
5,39
